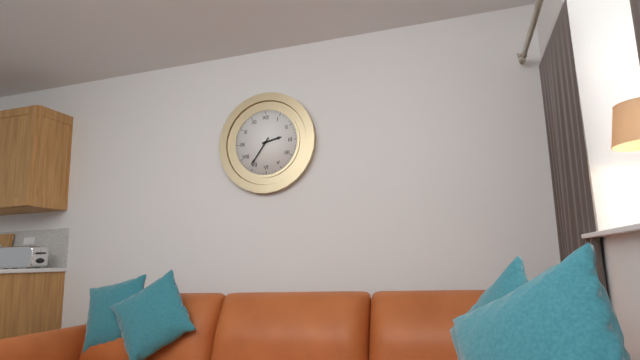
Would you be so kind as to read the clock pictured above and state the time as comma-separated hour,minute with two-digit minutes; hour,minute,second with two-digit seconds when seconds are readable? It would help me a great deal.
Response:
2,36
